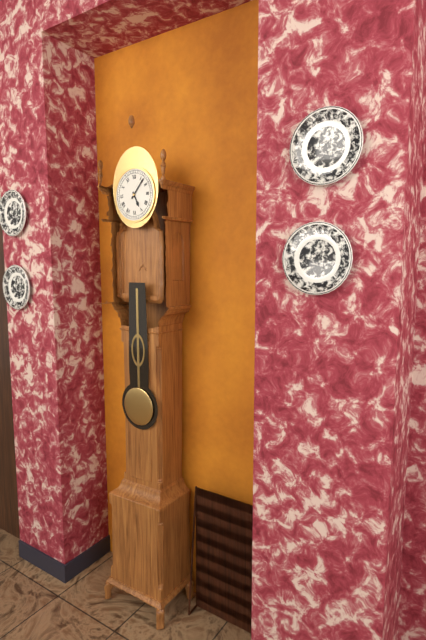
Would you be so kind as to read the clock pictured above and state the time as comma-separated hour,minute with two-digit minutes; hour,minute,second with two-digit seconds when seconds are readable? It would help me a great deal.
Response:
5,07
